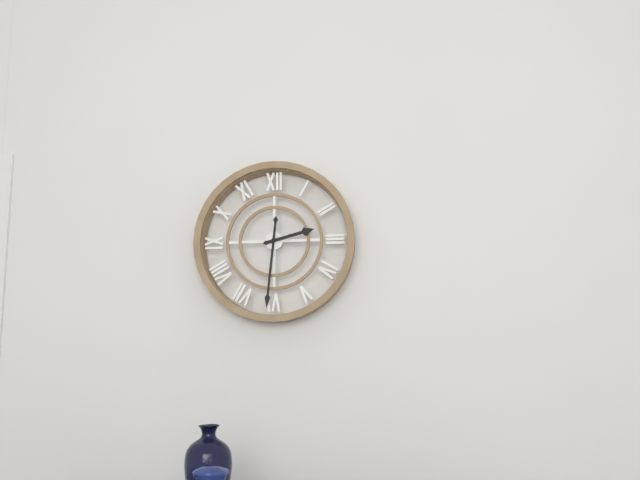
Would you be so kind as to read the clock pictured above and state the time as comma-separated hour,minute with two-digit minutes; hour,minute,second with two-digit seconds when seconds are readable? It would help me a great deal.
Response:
2,31
